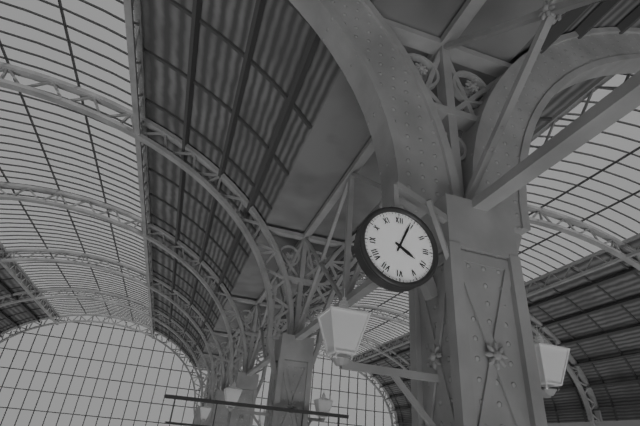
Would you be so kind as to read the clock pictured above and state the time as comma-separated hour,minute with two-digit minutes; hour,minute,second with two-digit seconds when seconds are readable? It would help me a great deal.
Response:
4,04
